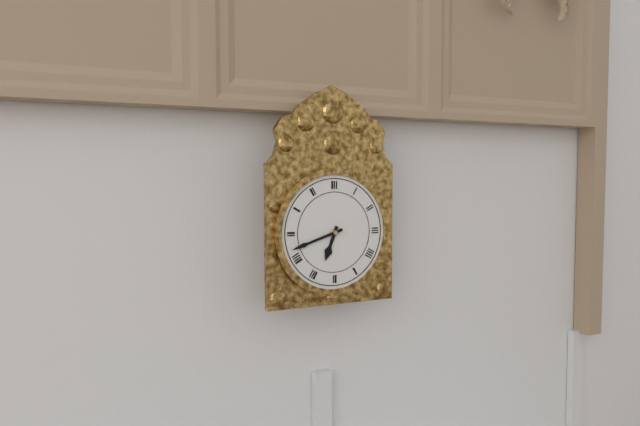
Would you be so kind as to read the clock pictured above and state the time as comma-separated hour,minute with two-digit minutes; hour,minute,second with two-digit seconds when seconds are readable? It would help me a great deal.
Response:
6,42
